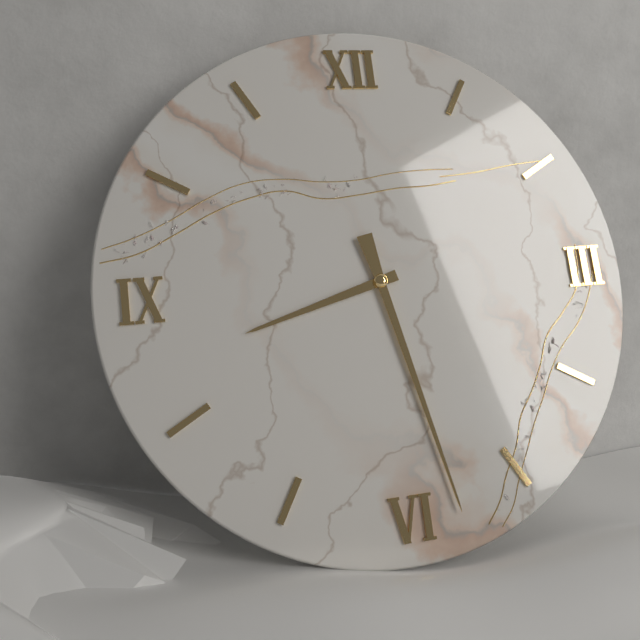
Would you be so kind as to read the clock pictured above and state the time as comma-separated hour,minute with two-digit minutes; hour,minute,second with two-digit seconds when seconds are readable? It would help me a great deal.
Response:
8,28
